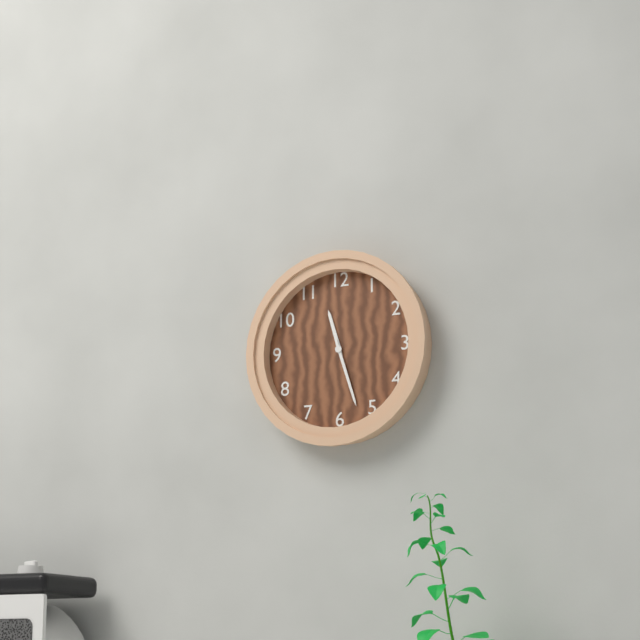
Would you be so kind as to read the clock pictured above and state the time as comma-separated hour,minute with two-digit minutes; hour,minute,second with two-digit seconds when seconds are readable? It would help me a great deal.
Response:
11,27
